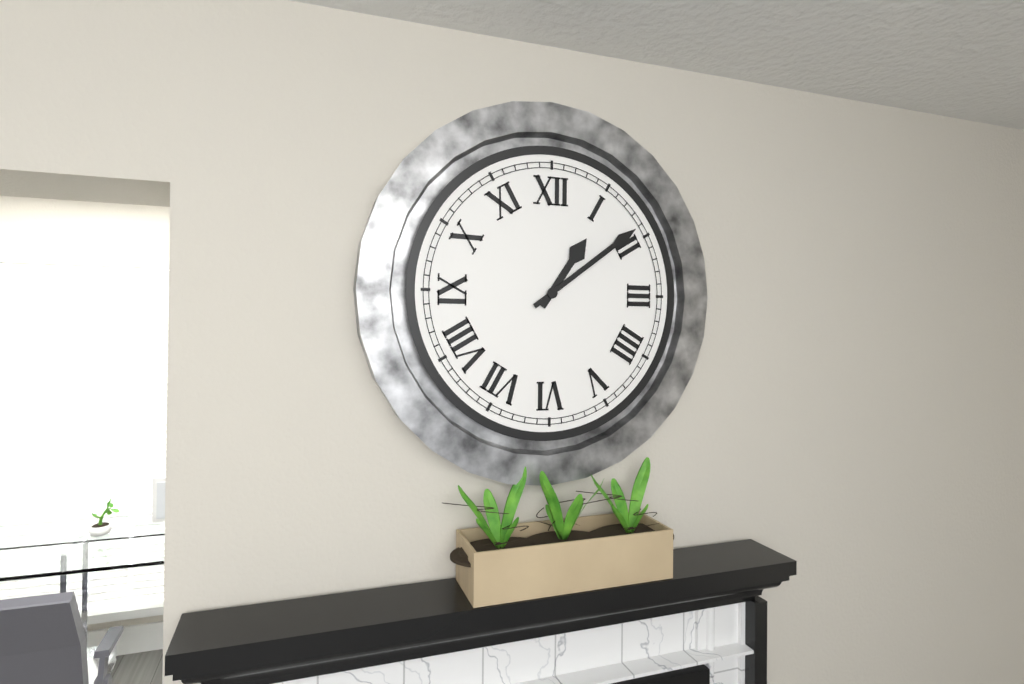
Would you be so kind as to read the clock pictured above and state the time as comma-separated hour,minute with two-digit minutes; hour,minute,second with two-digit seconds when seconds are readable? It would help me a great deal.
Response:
1,09
